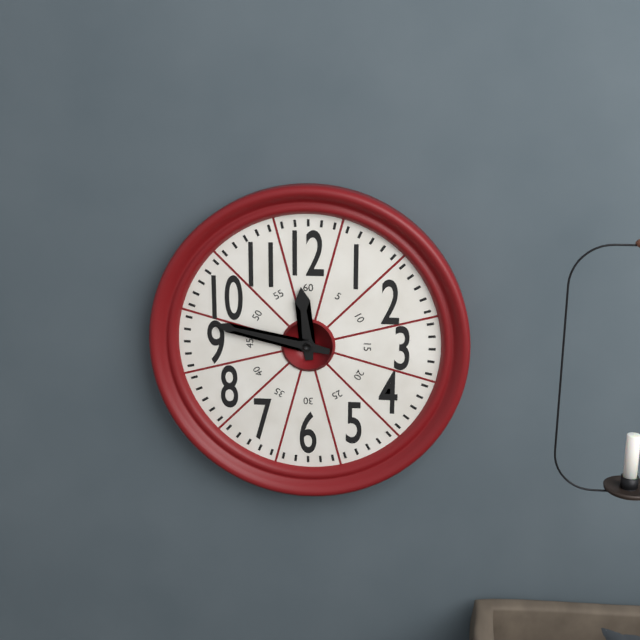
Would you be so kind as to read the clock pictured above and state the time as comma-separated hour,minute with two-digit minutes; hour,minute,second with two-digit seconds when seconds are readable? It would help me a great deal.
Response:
11,47
